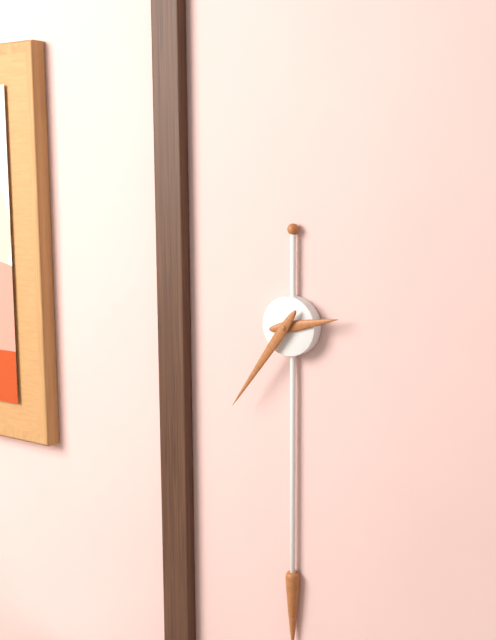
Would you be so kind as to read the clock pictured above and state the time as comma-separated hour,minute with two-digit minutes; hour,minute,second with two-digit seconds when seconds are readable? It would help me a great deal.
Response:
2,36
